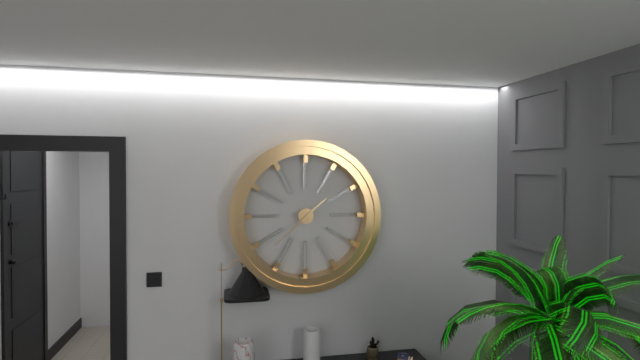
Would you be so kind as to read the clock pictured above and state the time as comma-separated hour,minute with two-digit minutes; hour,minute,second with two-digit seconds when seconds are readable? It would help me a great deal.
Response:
1,38
